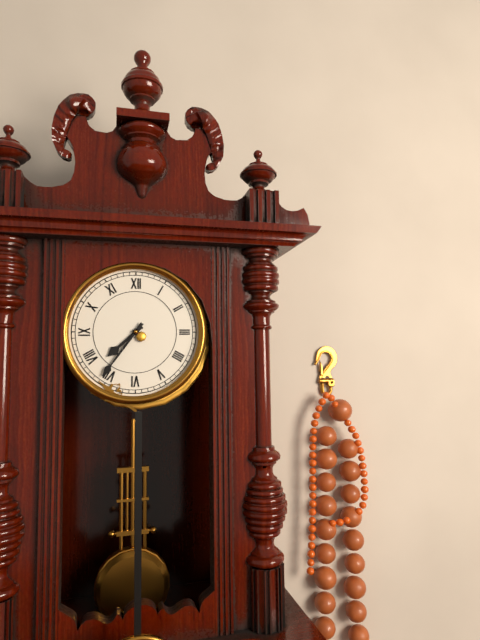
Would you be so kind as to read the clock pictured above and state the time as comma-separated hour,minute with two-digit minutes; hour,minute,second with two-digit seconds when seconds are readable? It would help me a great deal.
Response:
7,36
